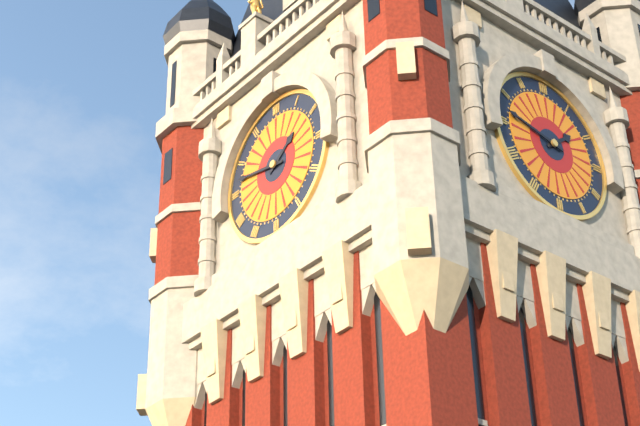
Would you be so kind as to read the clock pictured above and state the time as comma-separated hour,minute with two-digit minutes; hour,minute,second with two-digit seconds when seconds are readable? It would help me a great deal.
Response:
1,47
